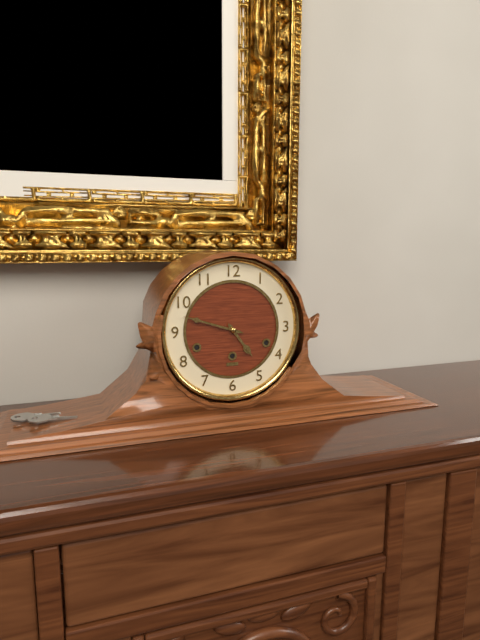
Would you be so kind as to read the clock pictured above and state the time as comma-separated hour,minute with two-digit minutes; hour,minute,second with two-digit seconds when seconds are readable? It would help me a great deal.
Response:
4,48
